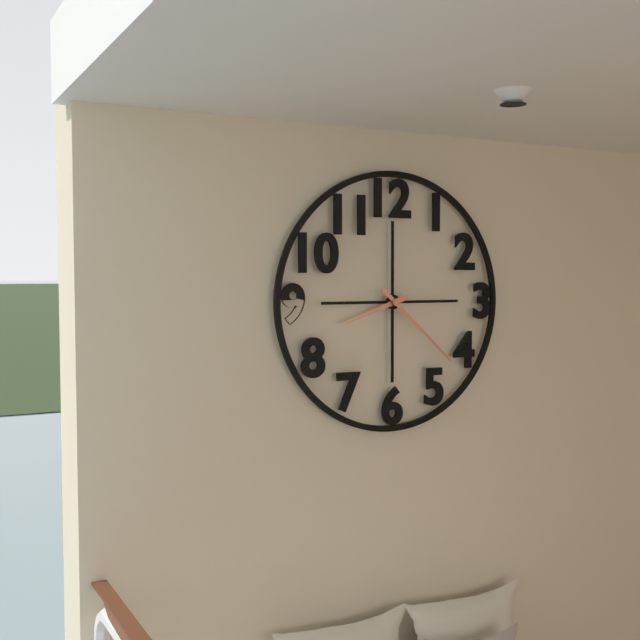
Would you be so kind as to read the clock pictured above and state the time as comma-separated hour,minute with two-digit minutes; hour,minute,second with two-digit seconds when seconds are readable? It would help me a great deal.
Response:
8,22
